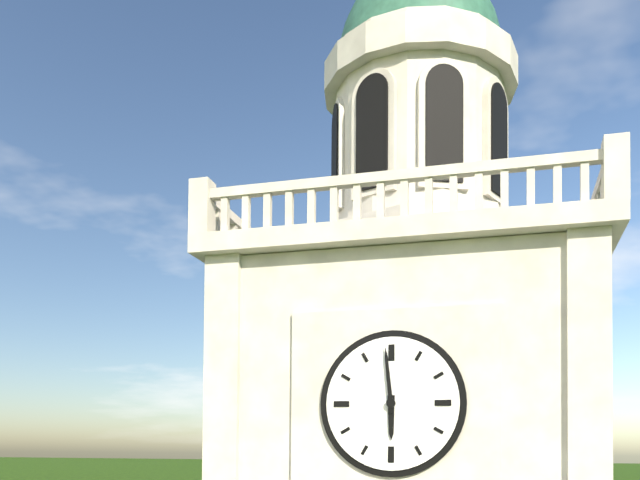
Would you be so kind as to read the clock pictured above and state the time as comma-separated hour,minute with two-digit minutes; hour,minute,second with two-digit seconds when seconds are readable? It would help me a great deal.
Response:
5,59
